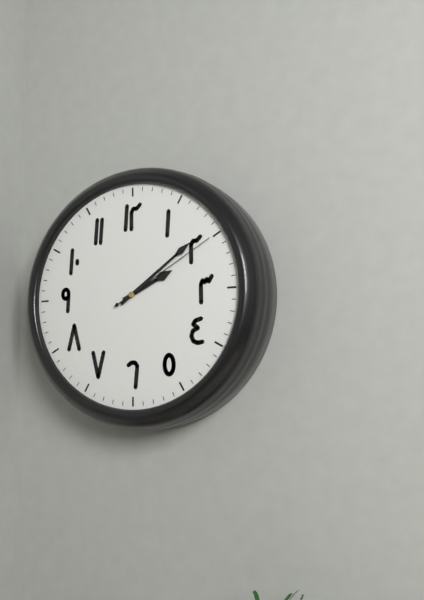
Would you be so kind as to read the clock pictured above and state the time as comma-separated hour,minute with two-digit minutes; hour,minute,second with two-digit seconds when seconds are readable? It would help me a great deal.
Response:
2,09,10
